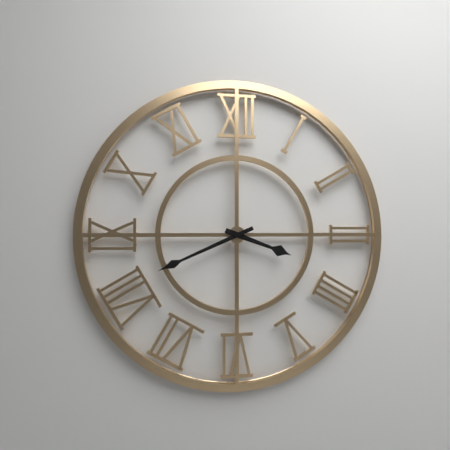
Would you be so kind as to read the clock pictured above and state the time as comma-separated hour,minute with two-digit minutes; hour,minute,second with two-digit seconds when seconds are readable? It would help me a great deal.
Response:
3,41
